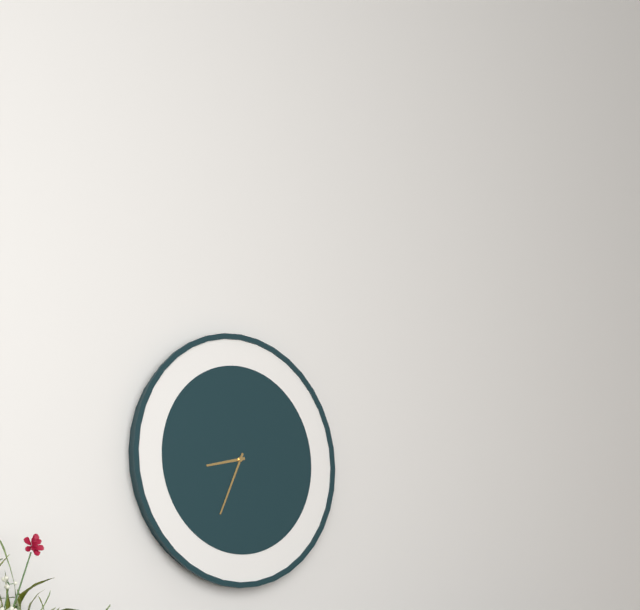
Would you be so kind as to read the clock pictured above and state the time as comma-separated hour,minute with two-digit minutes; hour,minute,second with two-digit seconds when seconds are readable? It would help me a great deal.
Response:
8,34
